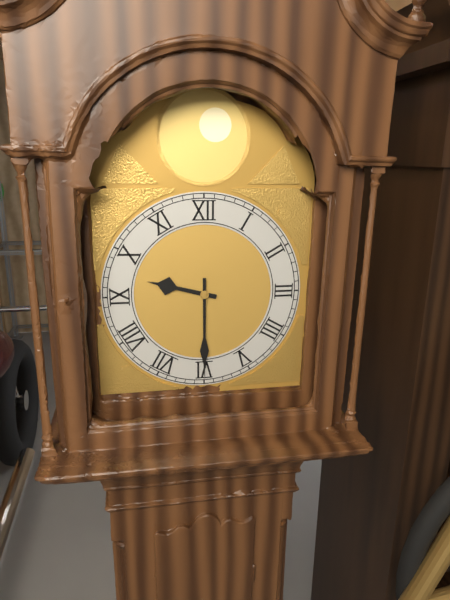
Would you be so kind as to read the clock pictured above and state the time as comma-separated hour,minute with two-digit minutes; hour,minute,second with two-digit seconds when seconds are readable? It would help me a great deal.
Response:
9,30
